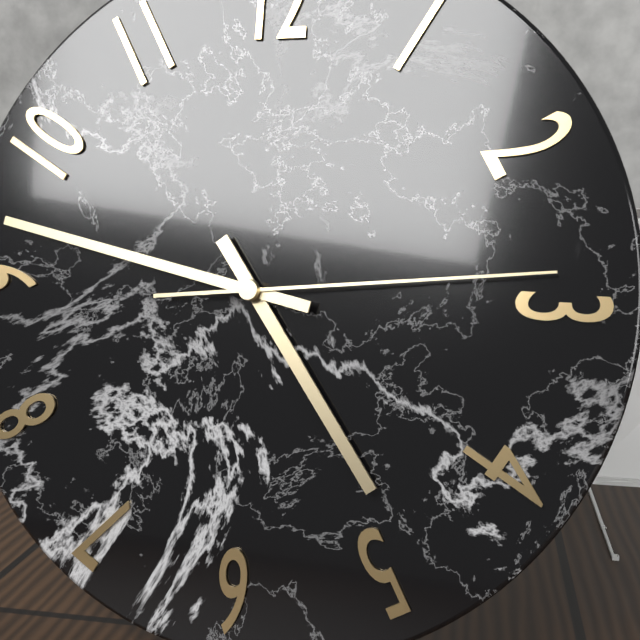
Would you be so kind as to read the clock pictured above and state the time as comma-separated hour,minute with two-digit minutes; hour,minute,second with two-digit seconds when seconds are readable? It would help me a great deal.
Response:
4,47,14
